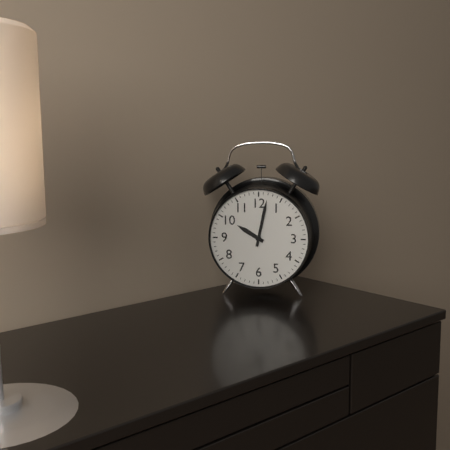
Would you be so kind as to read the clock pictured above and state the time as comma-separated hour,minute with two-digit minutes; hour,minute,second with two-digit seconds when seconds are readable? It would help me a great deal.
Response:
10,02
